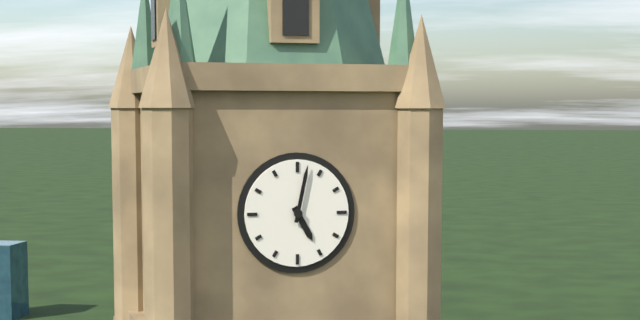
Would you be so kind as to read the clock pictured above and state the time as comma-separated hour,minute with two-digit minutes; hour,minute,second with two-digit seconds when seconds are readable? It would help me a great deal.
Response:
5,02
